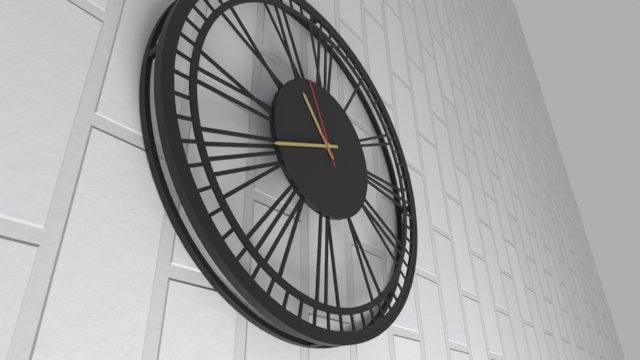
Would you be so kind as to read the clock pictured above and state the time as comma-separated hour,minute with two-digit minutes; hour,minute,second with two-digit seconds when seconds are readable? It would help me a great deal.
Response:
10,41,56
